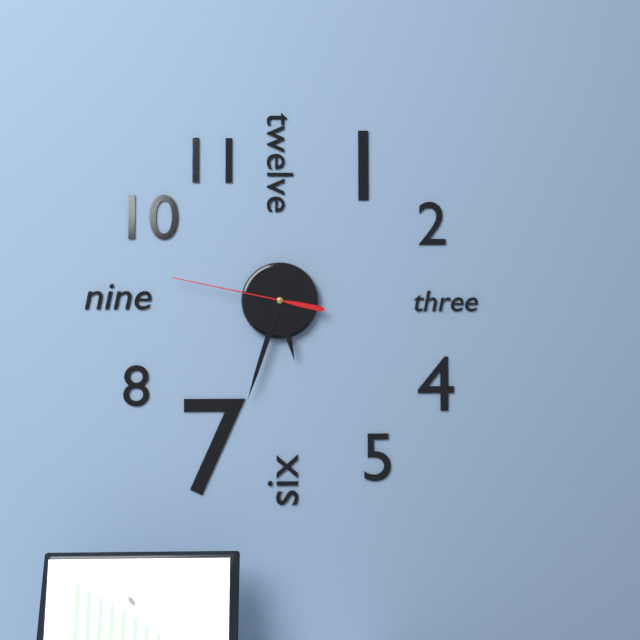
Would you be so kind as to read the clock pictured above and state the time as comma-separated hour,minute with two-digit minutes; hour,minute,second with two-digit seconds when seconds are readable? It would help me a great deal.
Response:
5,33,47
